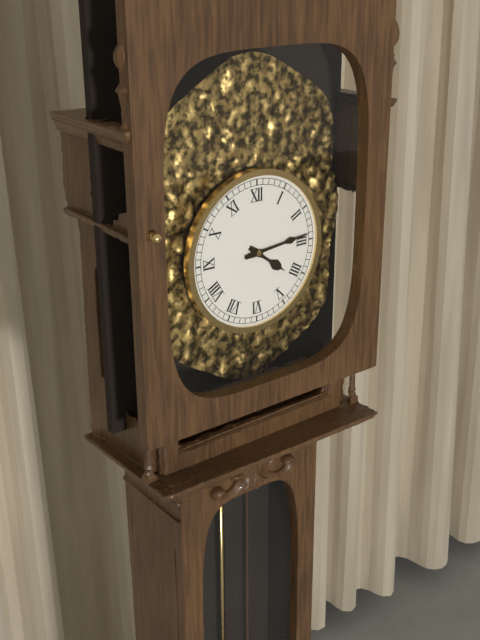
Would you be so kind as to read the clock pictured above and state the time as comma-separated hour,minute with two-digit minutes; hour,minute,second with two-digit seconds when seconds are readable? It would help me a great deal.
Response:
4,14
